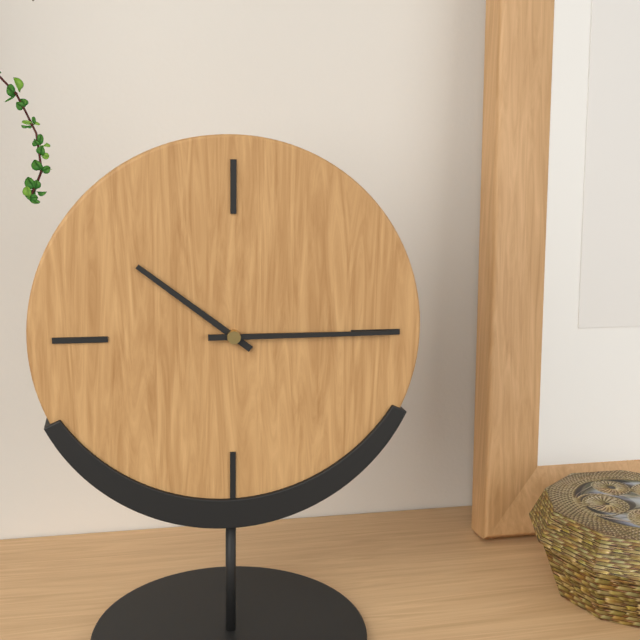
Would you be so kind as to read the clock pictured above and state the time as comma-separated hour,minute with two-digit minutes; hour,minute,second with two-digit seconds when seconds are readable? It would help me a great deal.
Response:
10,15
